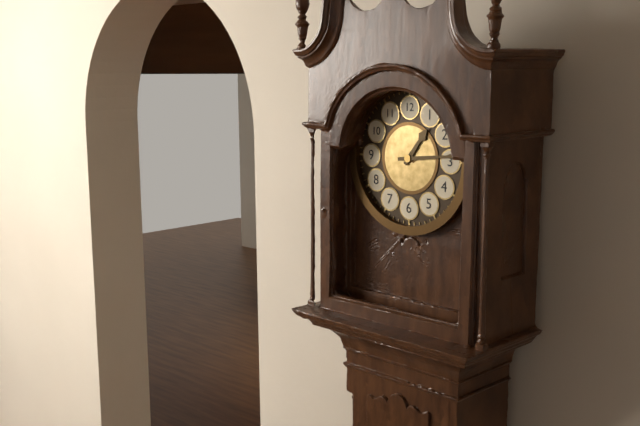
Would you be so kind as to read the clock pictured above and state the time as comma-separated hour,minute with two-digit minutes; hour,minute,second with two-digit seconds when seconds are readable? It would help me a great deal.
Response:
1,14
